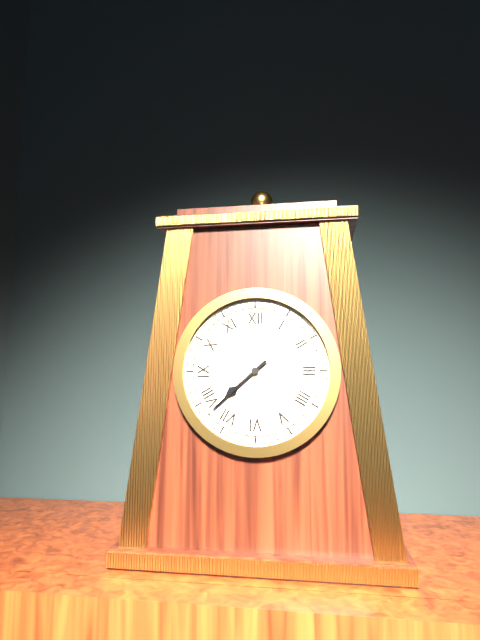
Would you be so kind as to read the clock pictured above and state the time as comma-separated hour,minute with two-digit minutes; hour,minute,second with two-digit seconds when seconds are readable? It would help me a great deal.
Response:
7,38
